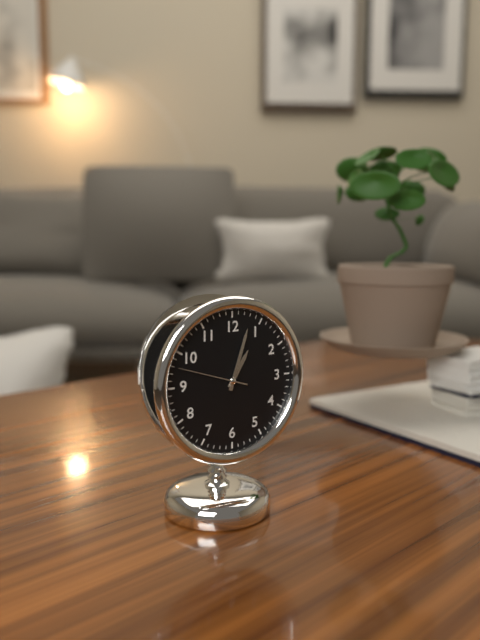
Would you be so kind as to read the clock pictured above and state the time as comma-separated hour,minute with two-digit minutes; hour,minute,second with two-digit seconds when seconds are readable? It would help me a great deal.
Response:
1,03,48
